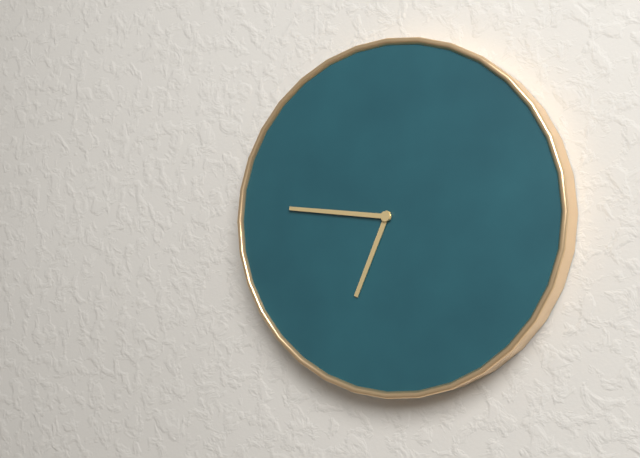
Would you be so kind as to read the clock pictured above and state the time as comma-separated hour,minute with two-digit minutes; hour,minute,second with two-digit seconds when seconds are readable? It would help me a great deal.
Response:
6,46
